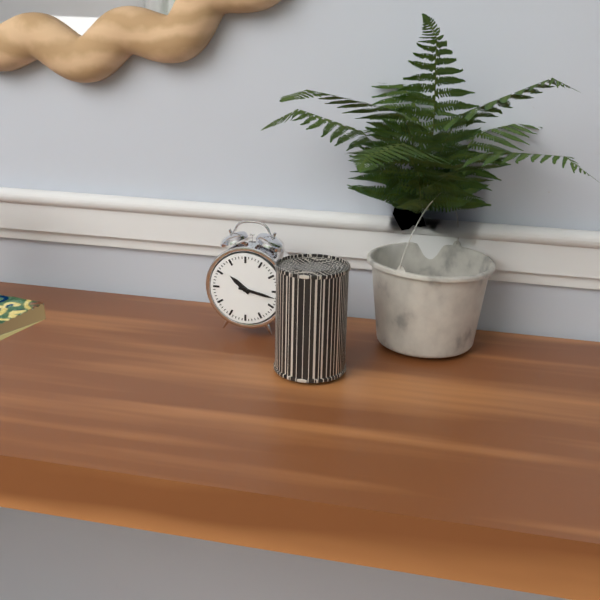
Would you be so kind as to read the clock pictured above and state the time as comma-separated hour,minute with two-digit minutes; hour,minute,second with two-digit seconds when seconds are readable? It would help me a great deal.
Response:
10,17
